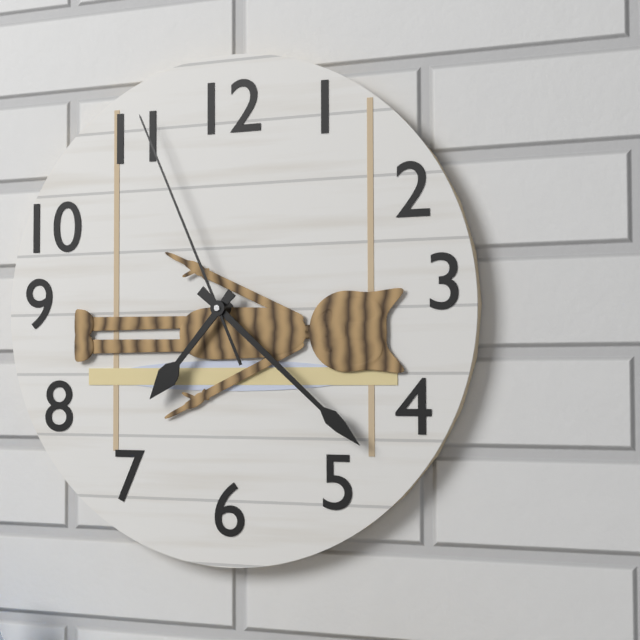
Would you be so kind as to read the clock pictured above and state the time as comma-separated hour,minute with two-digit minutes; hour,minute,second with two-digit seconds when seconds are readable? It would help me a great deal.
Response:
7,22,56
